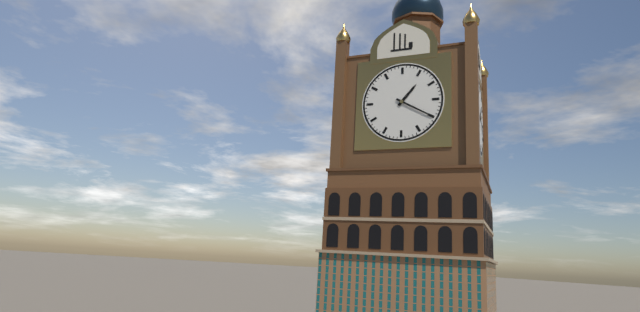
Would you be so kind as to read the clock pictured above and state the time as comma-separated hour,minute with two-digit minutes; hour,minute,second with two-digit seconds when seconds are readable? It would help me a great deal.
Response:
1,20
